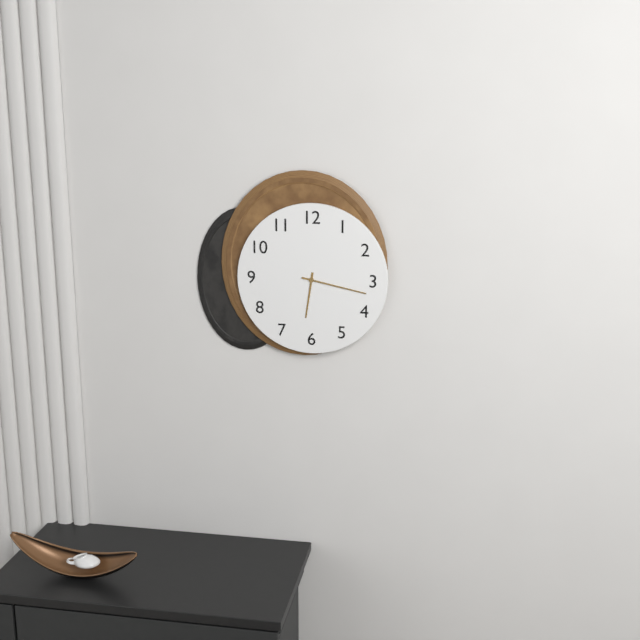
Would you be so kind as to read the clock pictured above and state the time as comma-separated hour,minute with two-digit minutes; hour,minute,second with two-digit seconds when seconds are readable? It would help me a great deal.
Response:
6,17
